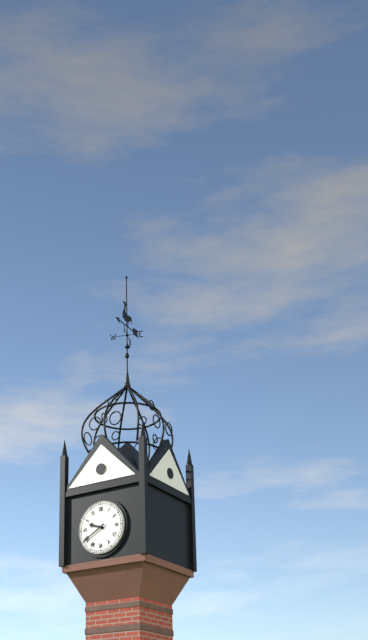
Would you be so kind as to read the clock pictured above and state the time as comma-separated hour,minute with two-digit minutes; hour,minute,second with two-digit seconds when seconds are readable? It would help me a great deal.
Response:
9,40
